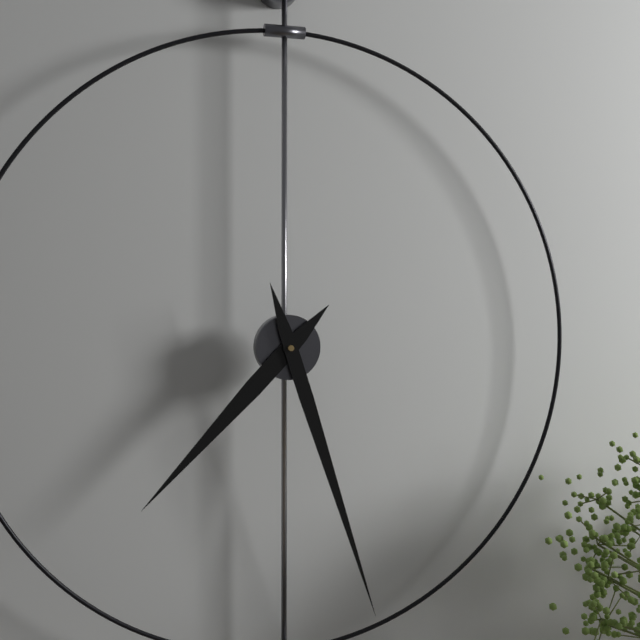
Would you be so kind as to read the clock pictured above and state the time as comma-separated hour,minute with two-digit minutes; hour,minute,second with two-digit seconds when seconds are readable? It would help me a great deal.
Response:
7,27
